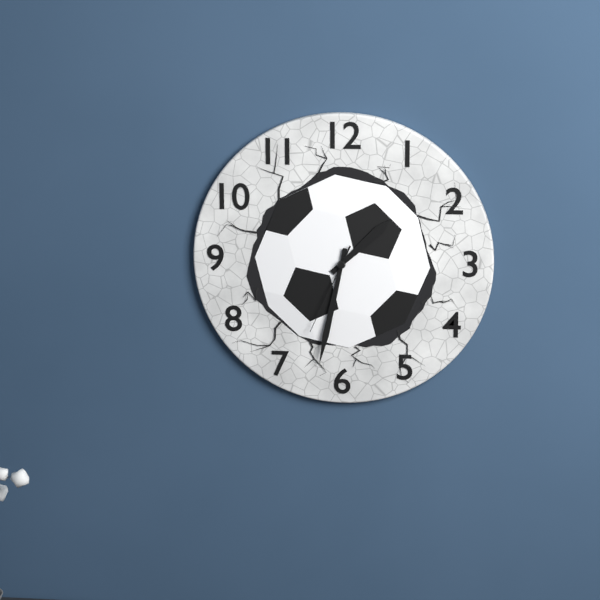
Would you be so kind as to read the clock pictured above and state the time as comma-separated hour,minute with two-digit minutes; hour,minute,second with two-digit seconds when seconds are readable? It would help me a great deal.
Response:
1,32,34
